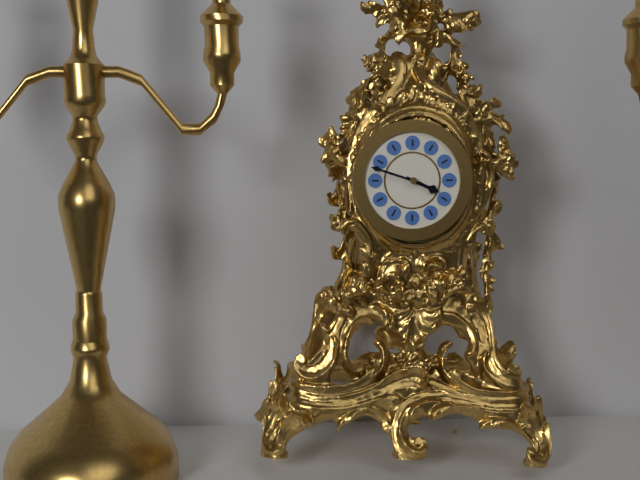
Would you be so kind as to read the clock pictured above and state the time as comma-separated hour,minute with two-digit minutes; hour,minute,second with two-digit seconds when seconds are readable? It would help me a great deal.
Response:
3,48
